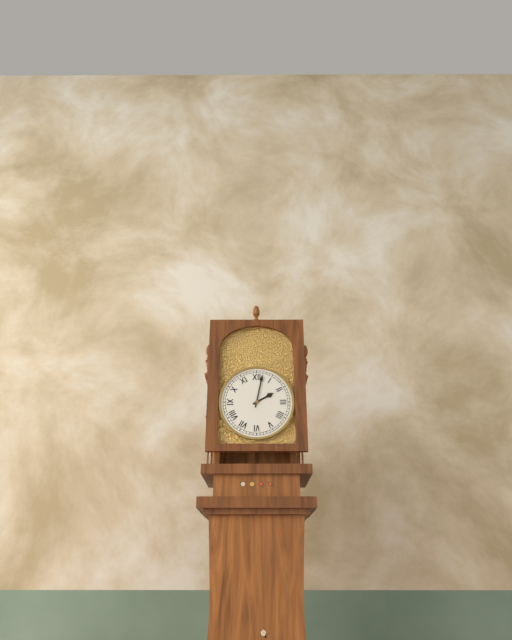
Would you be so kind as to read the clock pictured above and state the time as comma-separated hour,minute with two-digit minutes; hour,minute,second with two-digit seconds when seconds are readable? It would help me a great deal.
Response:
2,02
